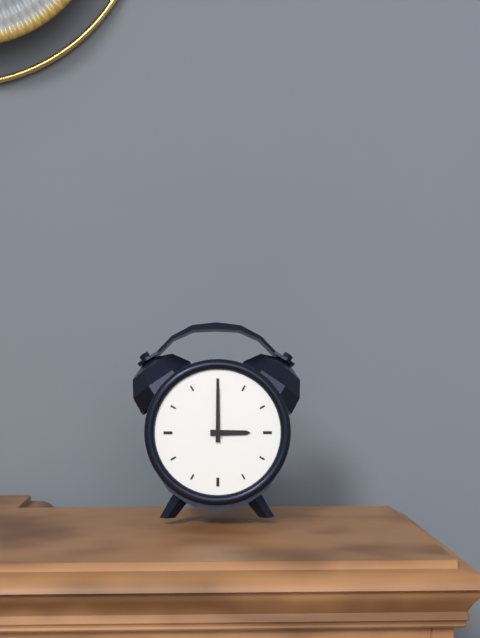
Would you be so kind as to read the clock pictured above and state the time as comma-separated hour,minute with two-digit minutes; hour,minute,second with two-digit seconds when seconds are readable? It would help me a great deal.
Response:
3,00
